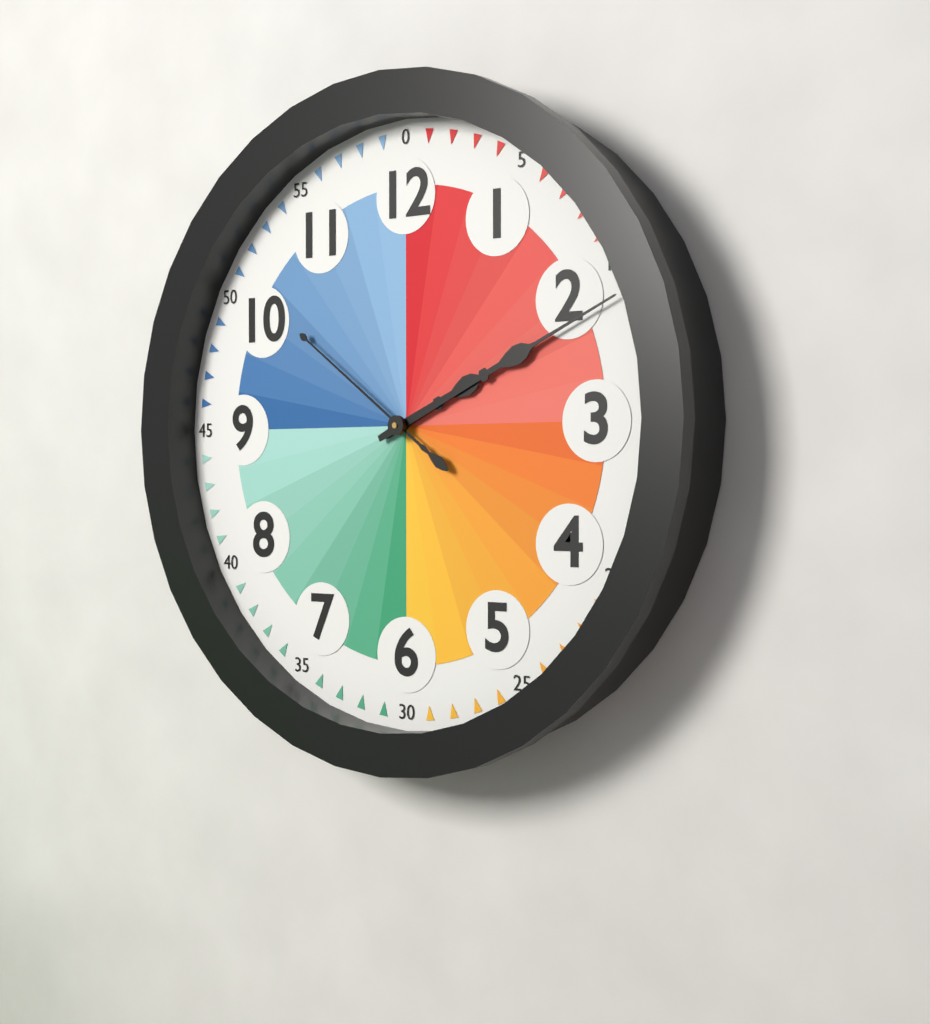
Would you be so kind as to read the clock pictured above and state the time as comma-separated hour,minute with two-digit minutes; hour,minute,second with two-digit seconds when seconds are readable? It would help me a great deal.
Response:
2,11,51
